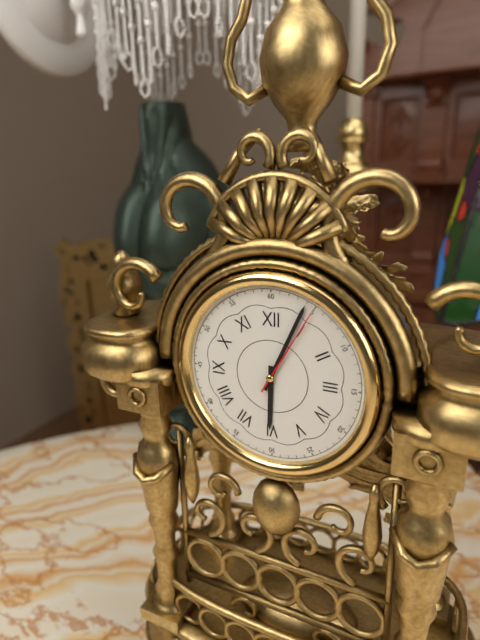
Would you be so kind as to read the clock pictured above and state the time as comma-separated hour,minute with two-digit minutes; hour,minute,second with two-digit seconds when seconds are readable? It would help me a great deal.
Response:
6,04,05
